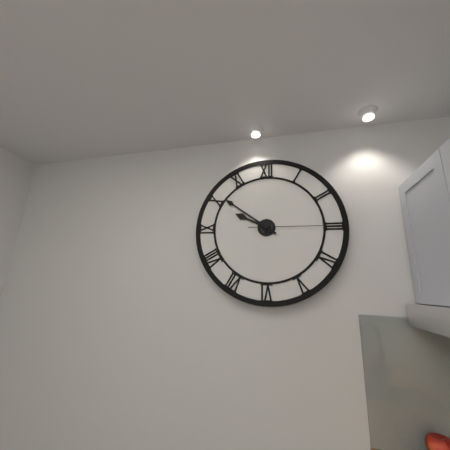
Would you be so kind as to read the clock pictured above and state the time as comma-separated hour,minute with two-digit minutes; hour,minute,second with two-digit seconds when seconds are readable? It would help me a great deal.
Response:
9,51,15
